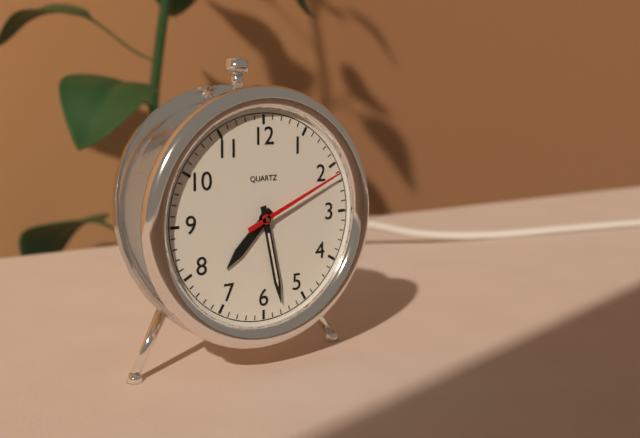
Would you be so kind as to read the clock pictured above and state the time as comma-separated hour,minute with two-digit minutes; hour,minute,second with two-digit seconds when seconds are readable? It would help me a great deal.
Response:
7,28,11
